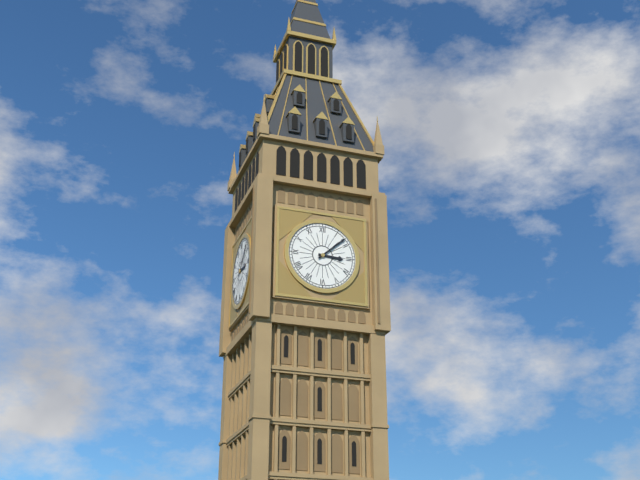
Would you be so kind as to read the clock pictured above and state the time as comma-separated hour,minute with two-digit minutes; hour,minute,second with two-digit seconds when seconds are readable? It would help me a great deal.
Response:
3,08
